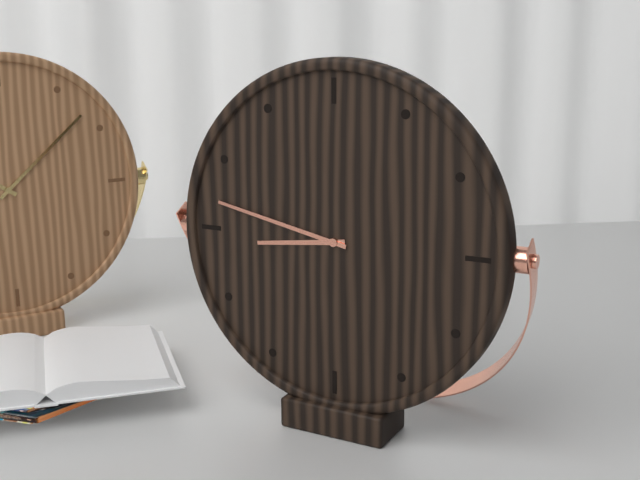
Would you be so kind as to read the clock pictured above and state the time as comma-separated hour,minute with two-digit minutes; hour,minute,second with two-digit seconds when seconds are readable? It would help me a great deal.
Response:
8,47
